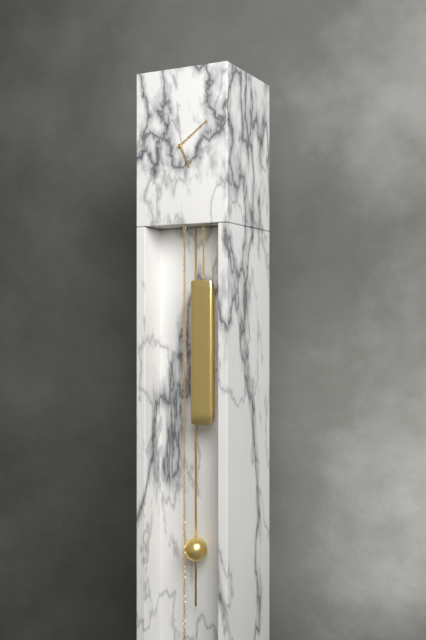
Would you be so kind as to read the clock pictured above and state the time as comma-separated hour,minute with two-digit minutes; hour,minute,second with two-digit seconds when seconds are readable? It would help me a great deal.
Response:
5,09
